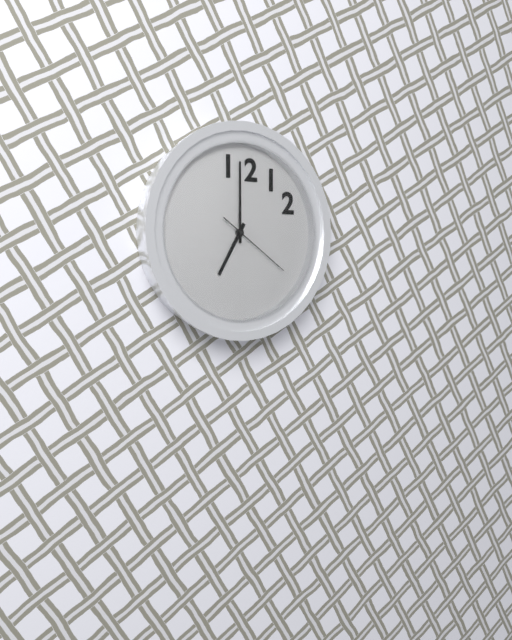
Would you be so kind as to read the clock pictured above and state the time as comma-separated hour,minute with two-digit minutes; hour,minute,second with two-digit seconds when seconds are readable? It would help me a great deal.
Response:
7,00,21
